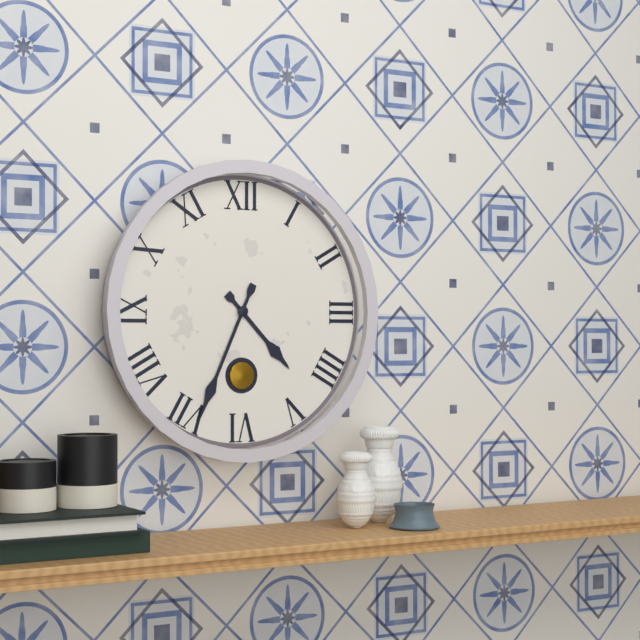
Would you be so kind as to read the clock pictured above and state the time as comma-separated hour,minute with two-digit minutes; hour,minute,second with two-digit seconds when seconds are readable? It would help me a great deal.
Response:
4,34
